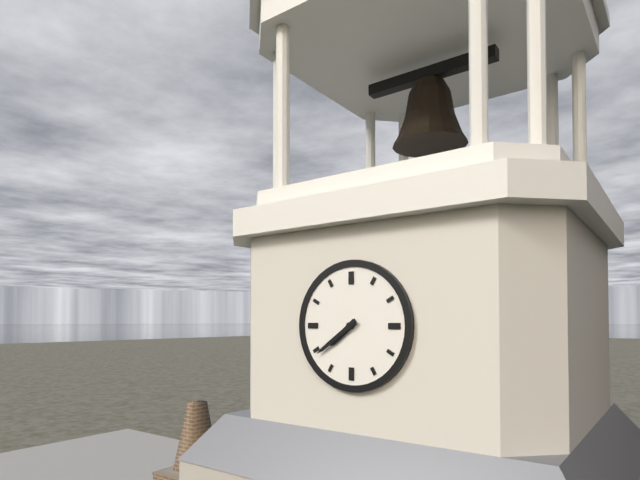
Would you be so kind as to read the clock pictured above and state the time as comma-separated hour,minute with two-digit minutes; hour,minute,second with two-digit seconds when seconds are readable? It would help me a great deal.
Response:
7,39
